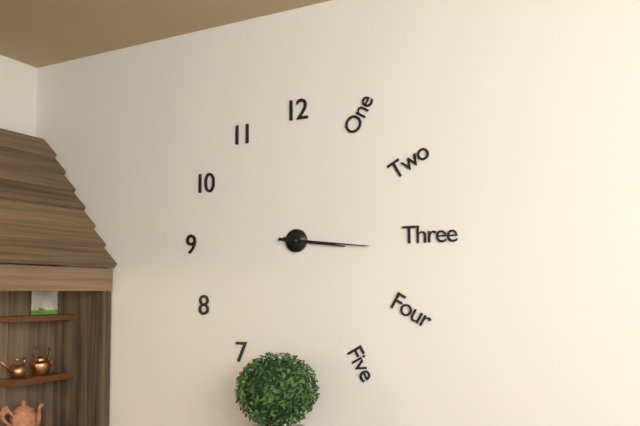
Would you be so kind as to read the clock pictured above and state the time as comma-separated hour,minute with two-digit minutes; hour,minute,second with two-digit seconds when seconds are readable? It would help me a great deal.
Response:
3,16
